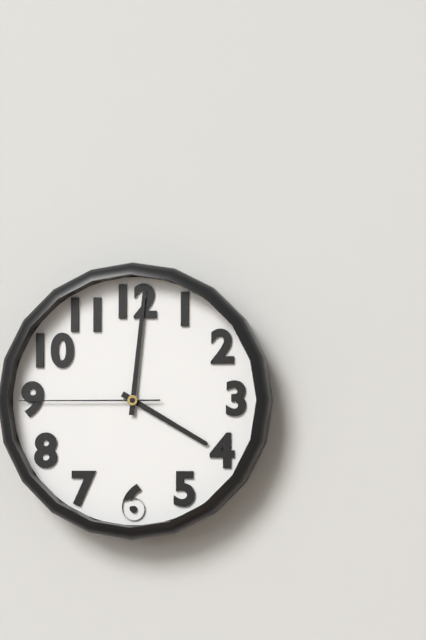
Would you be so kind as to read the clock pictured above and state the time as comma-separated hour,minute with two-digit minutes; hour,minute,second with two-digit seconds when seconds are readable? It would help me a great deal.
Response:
4,01,45
